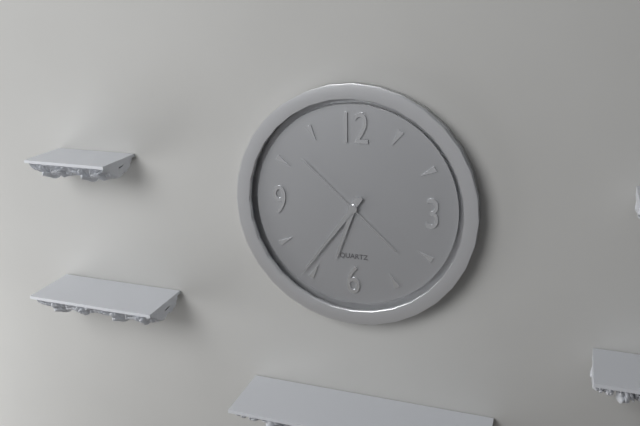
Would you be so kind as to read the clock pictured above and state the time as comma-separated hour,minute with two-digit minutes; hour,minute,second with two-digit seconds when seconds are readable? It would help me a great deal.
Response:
6,36,52
